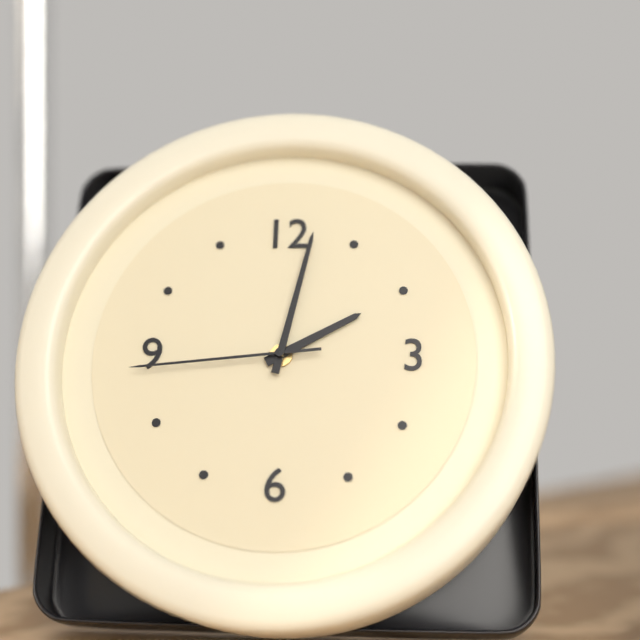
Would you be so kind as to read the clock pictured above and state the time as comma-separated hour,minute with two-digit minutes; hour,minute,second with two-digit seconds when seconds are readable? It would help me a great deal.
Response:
2,02,44
